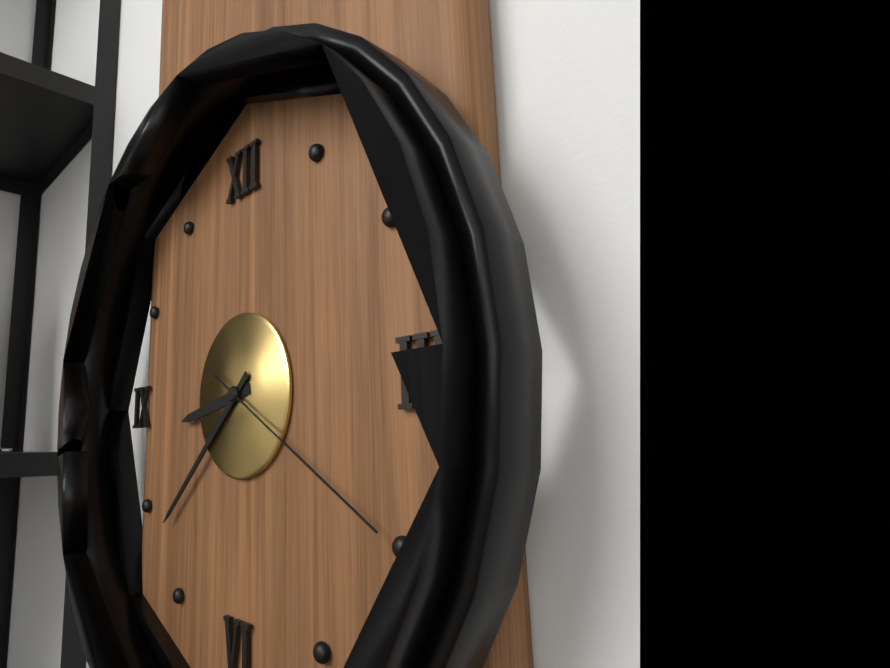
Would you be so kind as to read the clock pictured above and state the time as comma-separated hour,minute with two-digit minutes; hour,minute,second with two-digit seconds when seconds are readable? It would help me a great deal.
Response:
8,38,20
